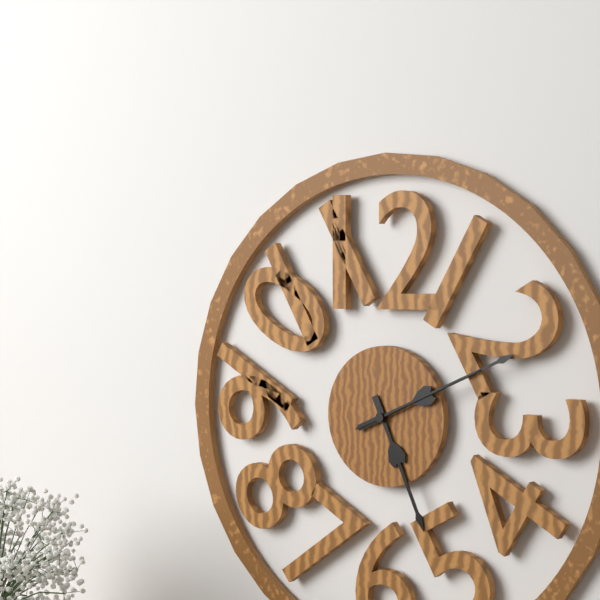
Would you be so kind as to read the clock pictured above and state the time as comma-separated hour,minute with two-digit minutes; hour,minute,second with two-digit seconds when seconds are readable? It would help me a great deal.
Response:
5,11,11
